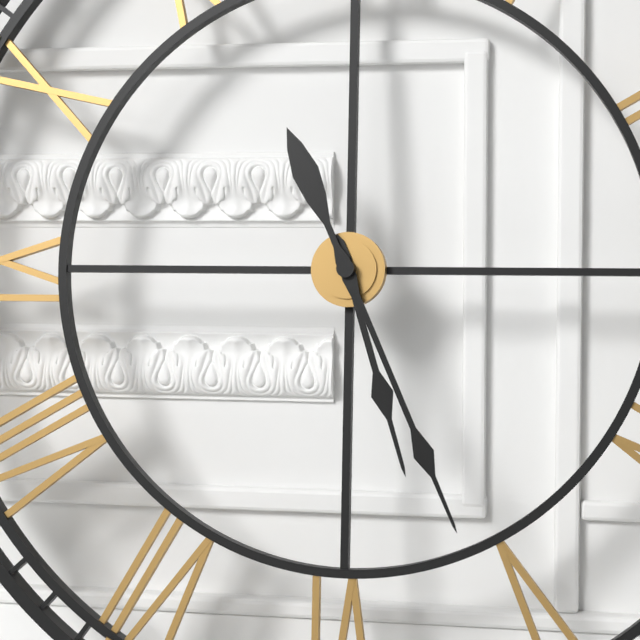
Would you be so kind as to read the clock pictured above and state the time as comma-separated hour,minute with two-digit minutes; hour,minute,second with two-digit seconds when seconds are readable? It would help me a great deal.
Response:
5,26
